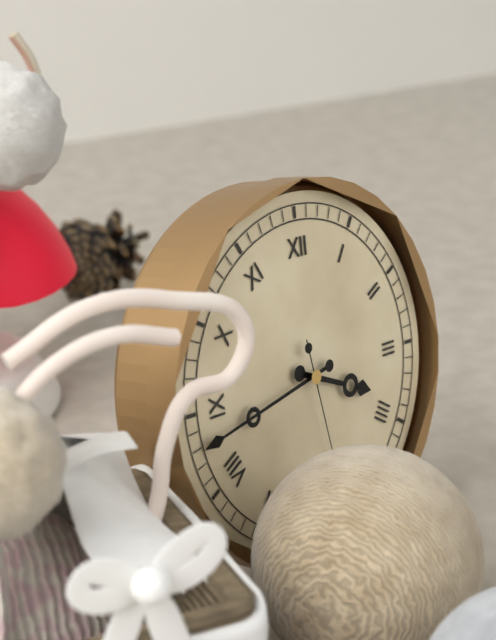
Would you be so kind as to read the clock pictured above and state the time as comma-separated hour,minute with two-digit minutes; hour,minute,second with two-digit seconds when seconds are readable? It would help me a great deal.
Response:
3,43
